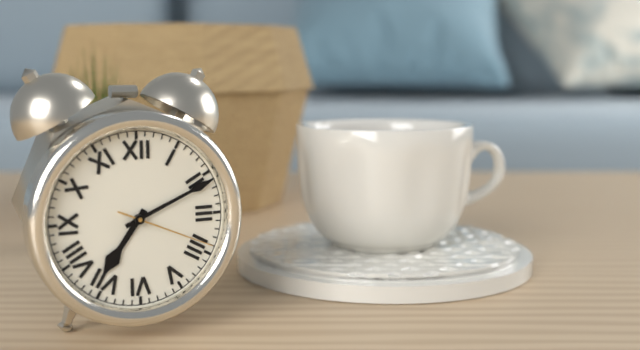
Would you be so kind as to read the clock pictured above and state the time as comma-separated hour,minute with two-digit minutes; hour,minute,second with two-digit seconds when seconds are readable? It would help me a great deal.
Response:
7,11,19
